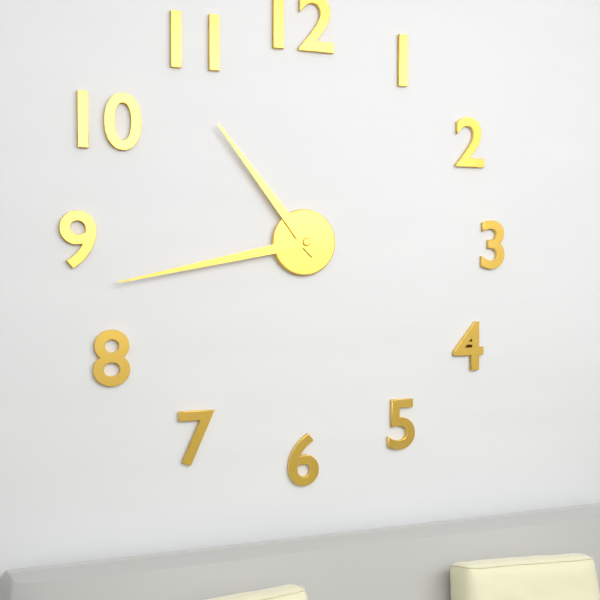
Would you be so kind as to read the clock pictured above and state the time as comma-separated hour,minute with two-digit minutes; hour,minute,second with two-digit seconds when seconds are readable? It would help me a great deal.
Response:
10,43
